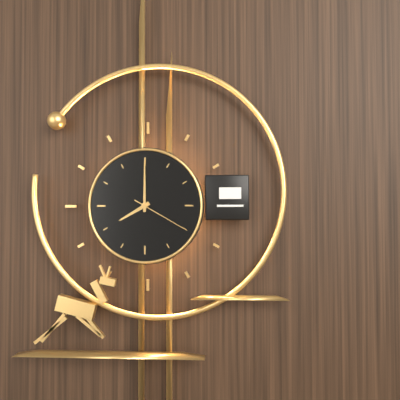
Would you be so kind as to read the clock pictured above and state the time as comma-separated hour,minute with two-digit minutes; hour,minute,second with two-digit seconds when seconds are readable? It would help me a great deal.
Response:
8,00,20
